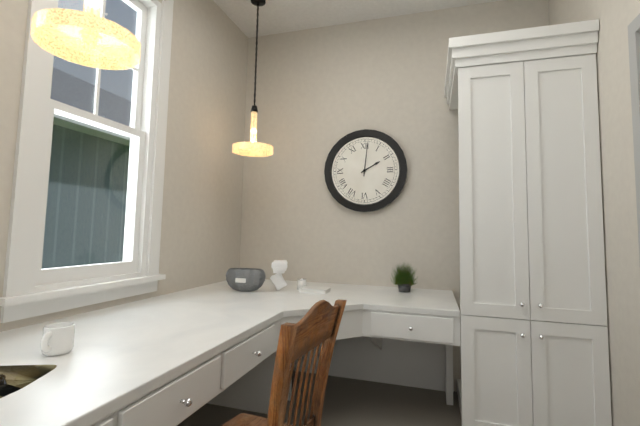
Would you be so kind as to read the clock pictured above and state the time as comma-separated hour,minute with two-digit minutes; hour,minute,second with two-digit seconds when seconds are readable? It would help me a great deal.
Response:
2,01
